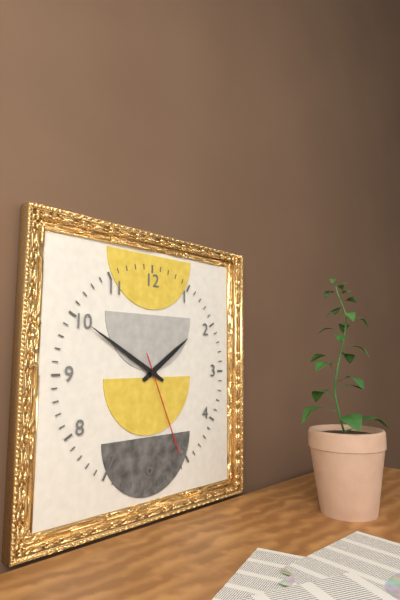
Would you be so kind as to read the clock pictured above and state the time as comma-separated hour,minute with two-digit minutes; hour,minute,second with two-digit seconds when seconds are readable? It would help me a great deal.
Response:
1,50,26
